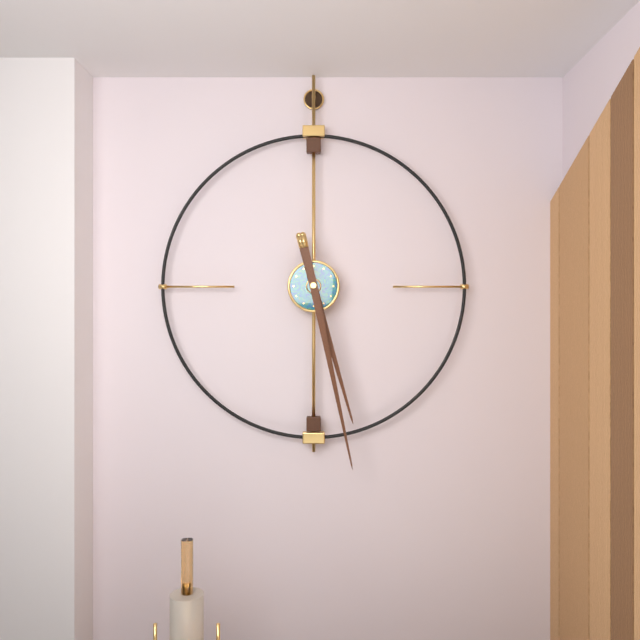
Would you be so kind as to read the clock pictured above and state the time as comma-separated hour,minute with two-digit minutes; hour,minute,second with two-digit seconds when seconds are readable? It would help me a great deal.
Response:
5,28
